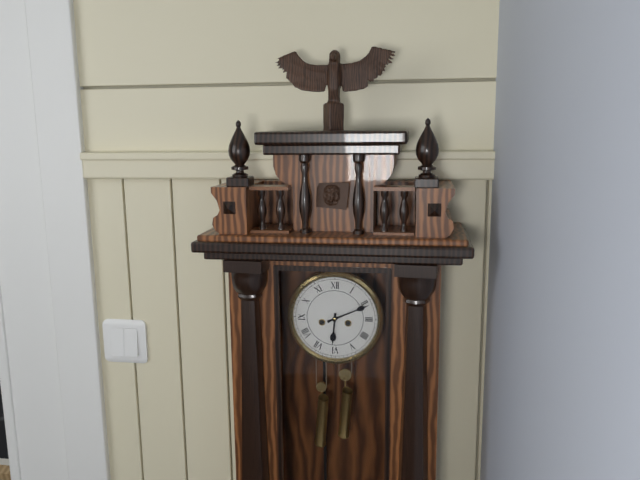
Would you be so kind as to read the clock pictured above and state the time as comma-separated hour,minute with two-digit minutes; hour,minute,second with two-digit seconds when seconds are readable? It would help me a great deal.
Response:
6,11
